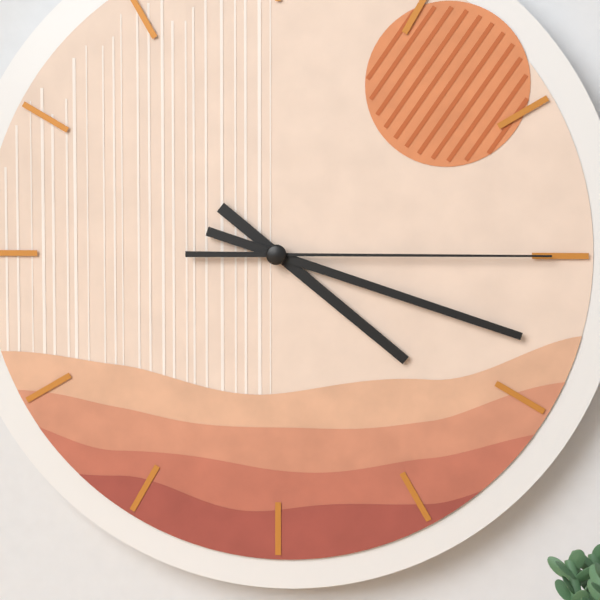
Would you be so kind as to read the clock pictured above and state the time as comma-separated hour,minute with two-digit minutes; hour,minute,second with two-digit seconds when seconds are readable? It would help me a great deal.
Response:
4,18,15
